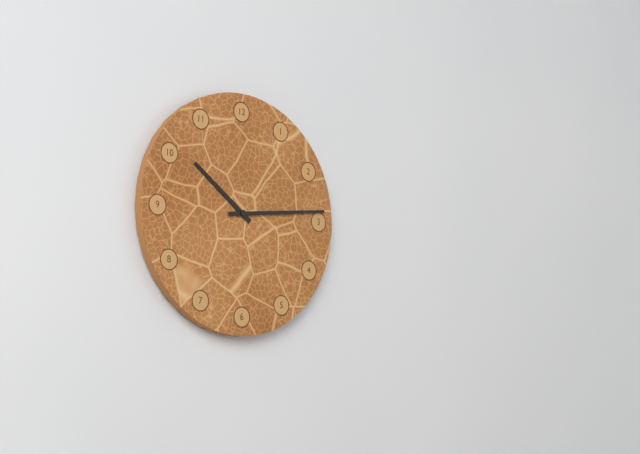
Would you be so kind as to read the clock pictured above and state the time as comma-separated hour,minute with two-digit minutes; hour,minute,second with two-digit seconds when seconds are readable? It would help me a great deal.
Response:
10,14
